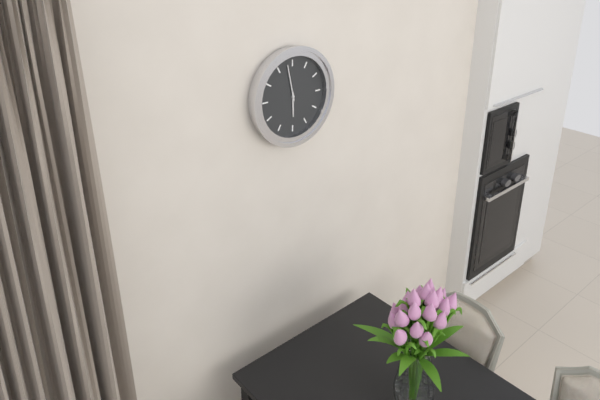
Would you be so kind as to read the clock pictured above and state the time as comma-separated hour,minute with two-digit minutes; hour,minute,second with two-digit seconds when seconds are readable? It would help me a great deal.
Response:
5,58
